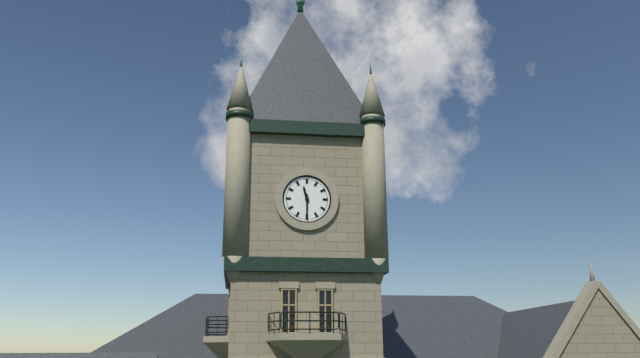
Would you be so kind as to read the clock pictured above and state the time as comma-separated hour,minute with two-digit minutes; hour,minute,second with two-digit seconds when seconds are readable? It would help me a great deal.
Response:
11,30
